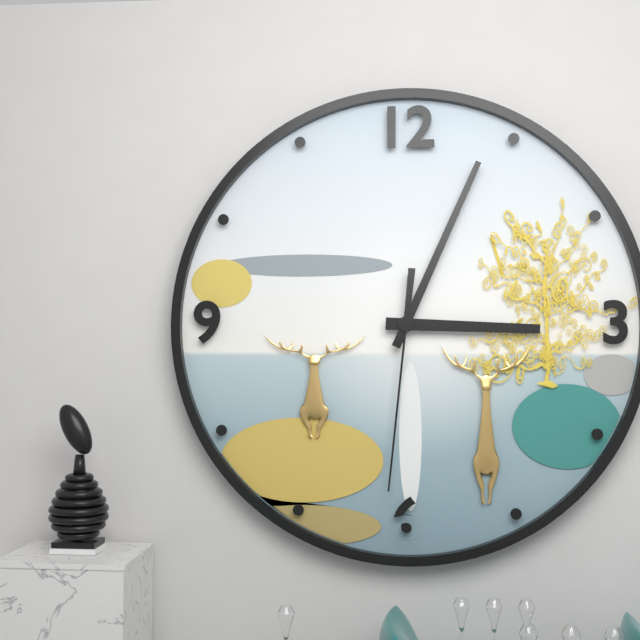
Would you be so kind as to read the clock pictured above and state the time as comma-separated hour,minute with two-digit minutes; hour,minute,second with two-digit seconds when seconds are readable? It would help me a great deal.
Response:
3,04,31
